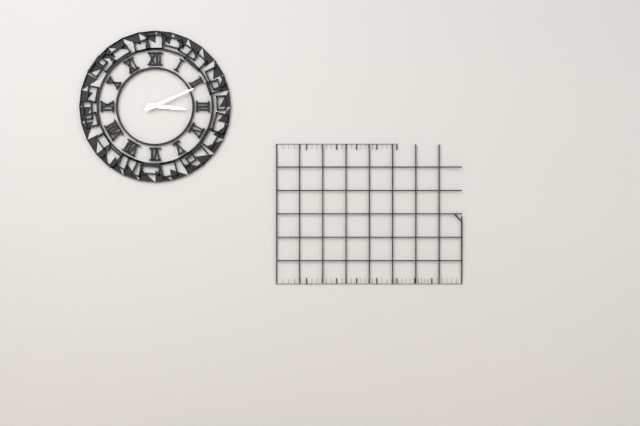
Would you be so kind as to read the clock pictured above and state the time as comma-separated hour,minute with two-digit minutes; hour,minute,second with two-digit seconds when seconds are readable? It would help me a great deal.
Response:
3,11
